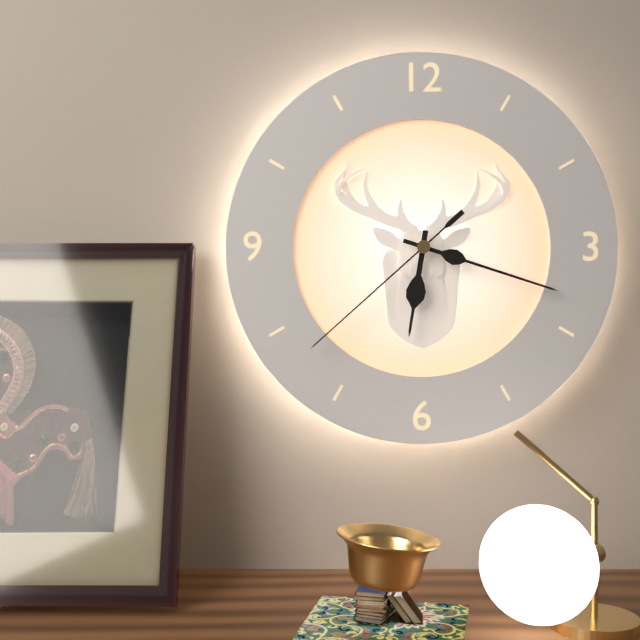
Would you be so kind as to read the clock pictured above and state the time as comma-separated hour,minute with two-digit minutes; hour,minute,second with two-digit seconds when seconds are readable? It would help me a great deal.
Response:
6,18,38
